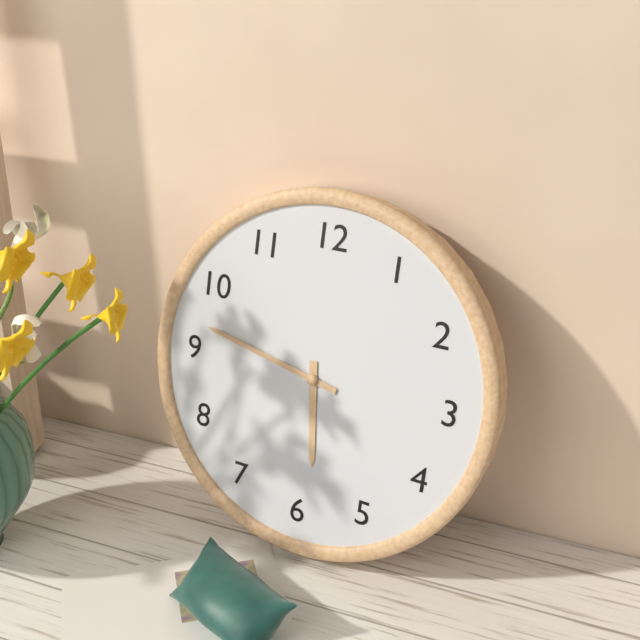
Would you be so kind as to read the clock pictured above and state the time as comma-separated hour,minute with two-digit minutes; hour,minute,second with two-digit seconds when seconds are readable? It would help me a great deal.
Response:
5,47
